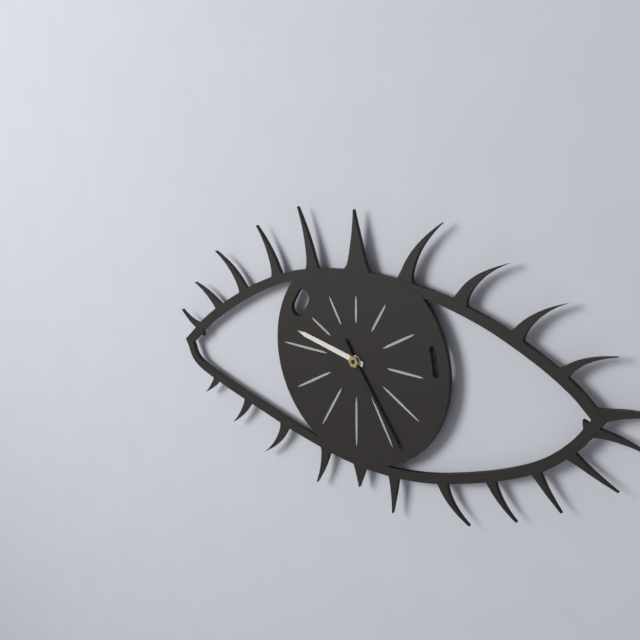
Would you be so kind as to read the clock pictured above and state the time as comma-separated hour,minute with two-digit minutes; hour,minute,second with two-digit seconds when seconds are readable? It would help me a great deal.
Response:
9,24
